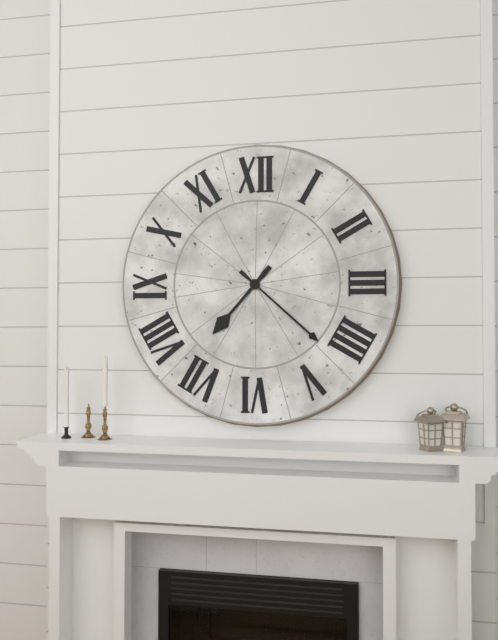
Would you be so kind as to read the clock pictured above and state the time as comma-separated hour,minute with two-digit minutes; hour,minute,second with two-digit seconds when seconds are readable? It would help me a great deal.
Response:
7,22
